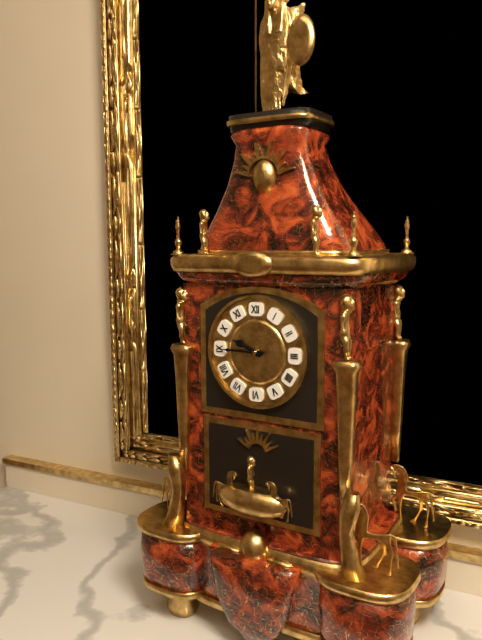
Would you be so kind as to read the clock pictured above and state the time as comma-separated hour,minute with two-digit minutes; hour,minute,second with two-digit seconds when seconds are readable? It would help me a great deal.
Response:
9,45
